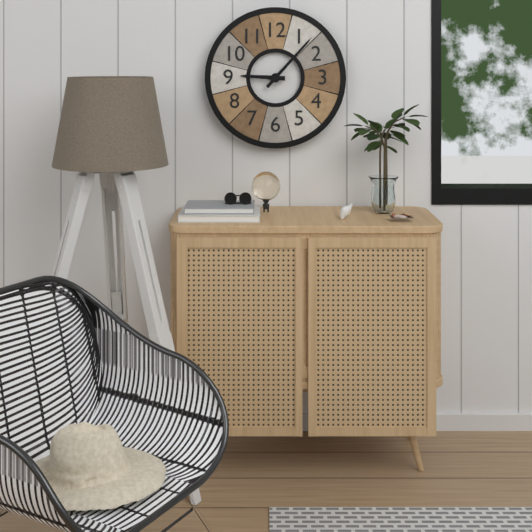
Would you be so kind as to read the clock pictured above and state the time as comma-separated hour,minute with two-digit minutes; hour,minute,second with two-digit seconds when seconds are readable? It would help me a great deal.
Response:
9,07
